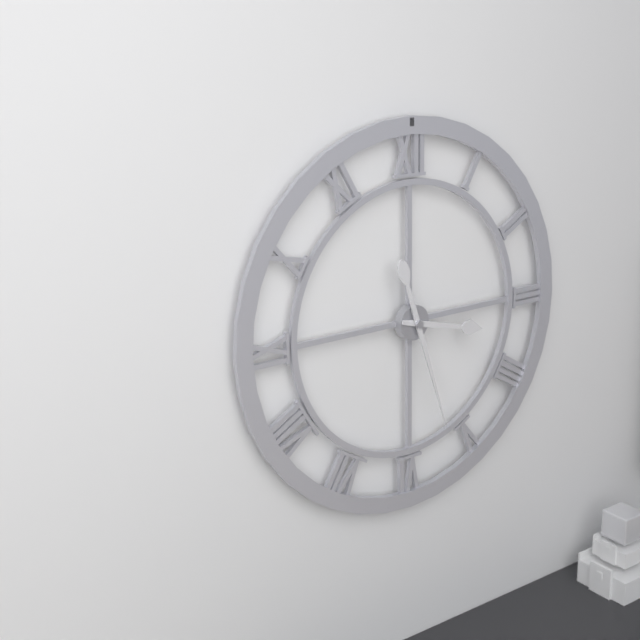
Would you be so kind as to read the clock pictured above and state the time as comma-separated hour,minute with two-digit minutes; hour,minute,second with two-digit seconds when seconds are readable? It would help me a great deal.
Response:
3,27
